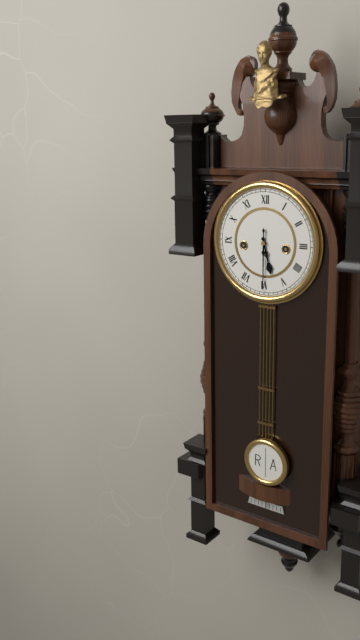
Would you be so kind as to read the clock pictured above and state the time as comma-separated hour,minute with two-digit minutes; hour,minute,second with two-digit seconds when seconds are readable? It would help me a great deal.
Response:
5,30
